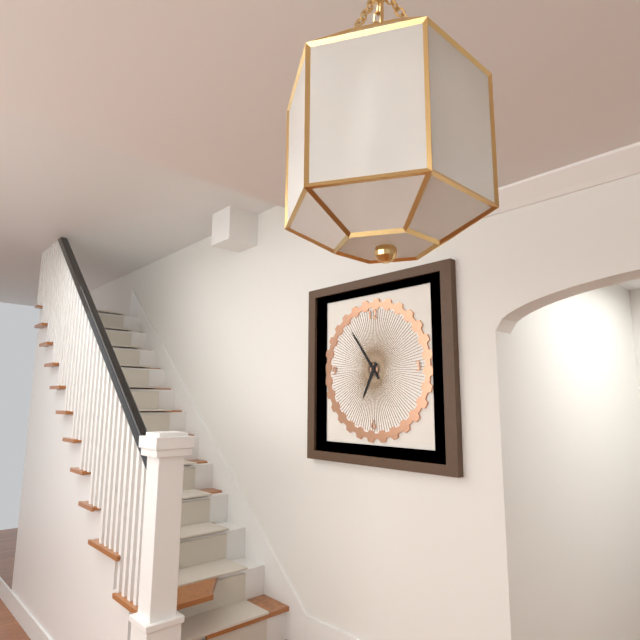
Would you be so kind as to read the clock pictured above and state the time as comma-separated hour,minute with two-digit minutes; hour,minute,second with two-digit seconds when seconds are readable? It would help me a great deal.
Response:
6,54
